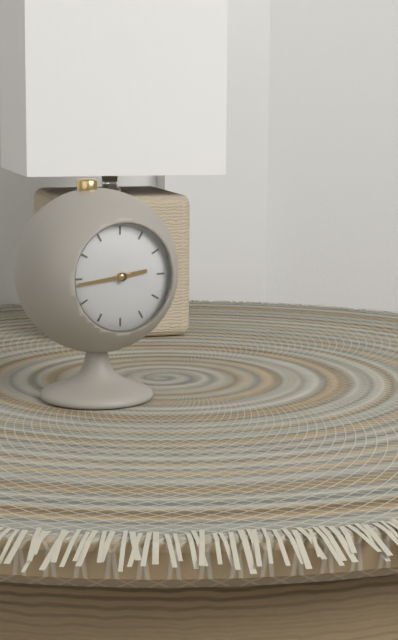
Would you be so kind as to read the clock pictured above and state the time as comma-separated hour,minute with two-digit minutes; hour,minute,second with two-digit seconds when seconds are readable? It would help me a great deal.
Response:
2,44
